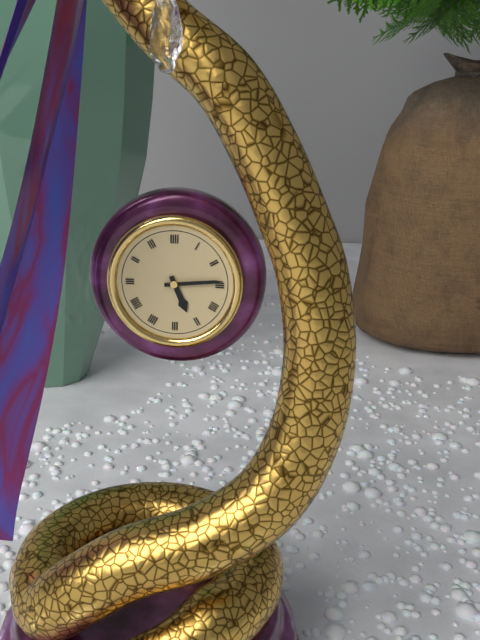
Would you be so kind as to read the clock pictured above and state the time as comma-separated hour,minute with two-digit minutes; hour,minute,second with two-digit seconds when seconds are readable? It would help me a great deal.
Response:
5,14
